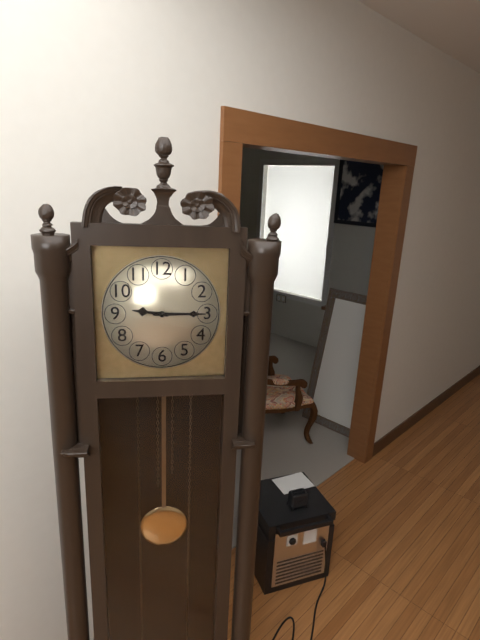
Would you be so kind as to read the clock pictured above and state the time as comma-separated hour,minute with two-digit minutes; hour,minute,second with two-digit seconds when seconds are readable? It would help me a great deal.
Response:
9,15
